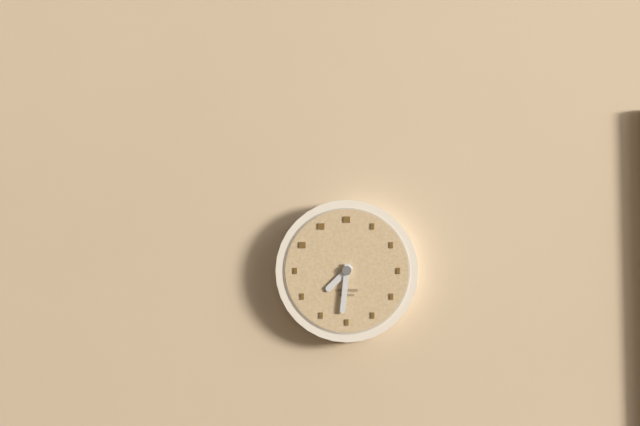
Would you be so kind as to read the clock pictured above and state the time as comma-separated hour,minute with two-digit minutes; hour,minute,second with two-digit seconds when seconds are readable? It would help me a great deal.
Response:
7,31
